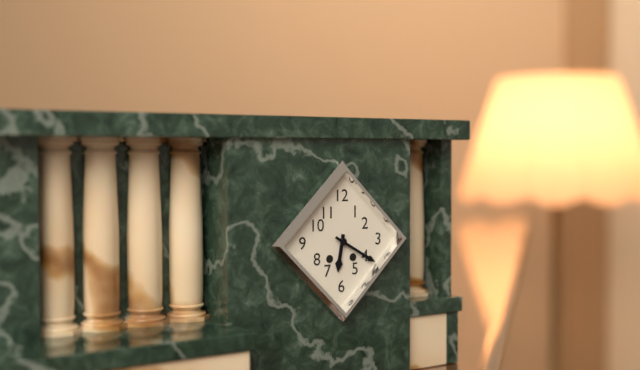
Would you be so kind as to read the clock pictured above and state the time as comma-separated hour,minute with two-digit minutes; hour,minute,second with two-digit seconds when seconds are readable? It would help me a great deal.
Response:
6,20
